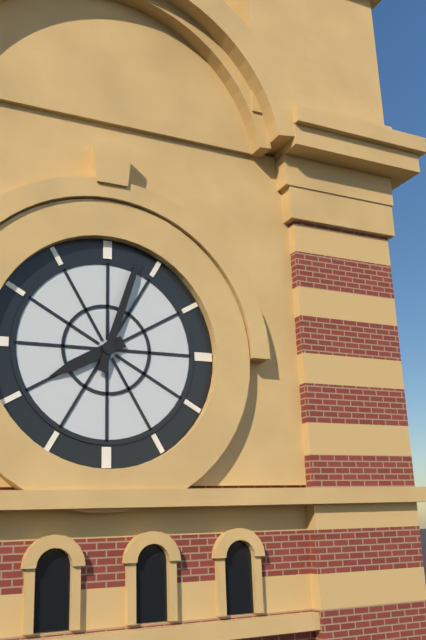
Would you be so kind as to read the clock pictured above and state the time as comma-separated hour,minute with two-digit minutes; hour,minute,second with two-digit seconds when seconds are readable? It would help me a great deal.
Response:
8,03
